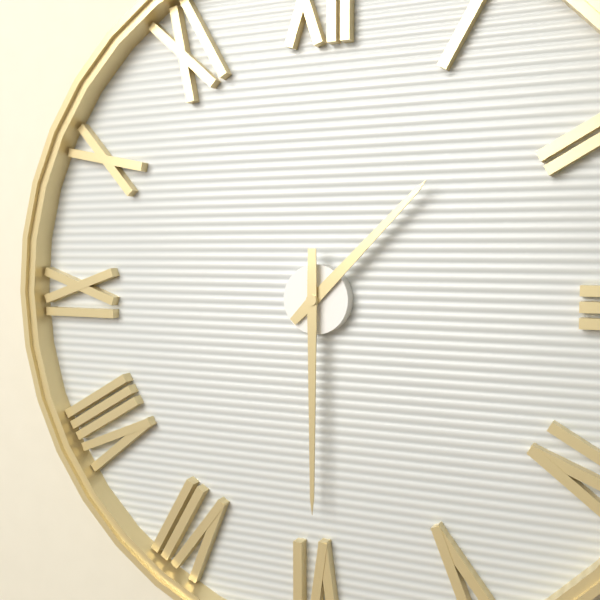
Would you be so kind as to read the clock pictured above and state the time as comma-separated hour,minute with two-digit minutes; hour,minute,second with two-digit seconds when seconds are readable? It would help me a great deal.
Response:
1,30
